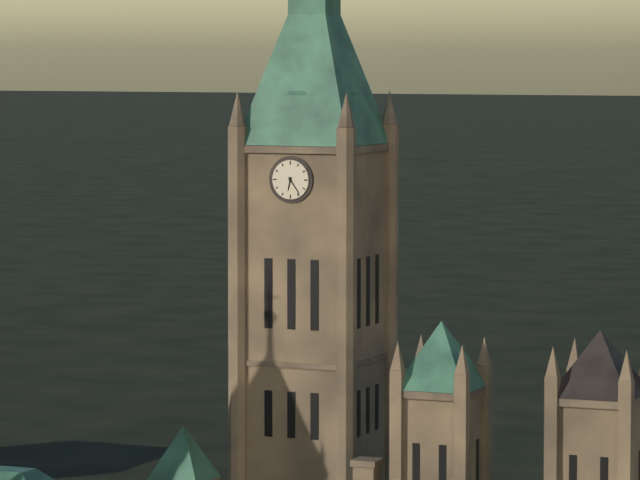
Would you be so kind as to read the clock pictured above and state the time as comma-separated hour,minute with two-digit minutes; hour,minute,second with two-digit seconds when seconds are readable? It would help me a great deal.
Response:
6,24
